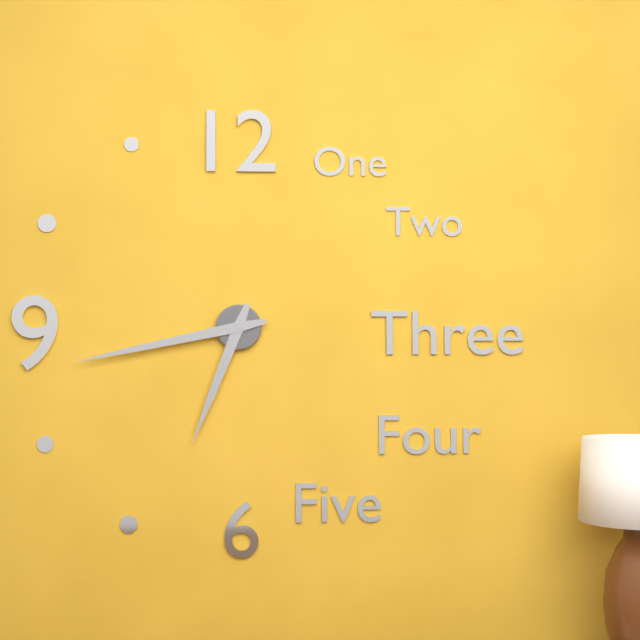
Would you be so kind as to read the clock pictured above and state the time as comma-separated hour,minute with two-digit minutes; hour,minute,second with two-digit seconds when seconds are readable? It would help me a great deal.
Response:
6,43
